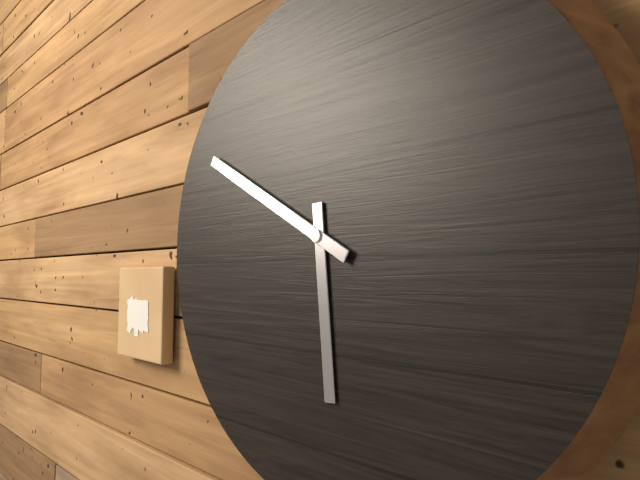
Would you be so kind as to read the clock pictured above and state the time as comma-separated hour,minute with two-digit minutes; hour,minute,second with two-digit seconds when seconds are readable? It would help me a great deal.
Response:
5,50
